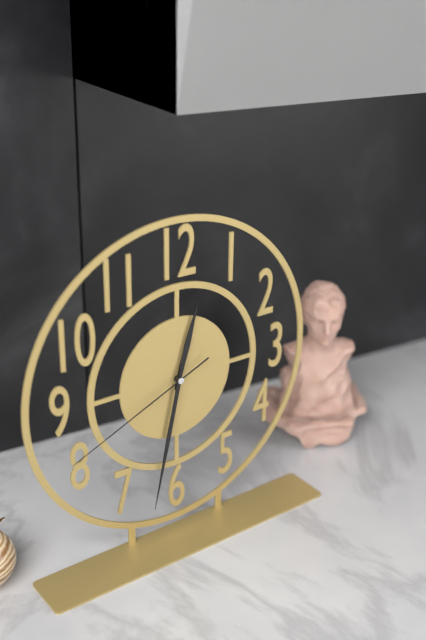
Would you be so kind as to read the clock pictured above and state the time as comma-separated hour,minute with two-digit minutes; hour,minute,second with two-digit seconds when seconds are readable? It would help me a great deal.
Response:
12,32,41
